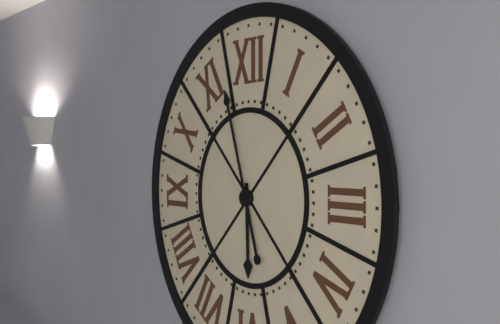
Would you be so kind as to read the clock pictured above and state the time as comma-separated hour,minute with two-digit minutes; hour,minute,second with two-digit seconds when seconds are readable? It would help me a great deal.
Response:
5,57
